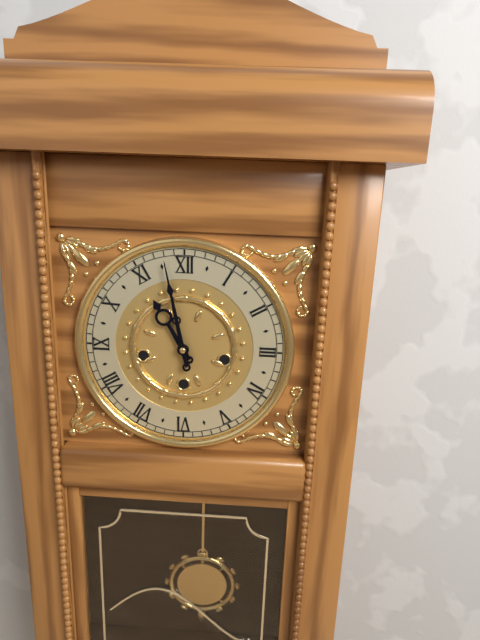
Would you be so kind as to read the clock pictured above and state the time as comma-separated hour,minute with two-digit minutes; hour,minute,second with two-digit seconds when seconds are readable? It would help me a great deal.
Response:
10,58
